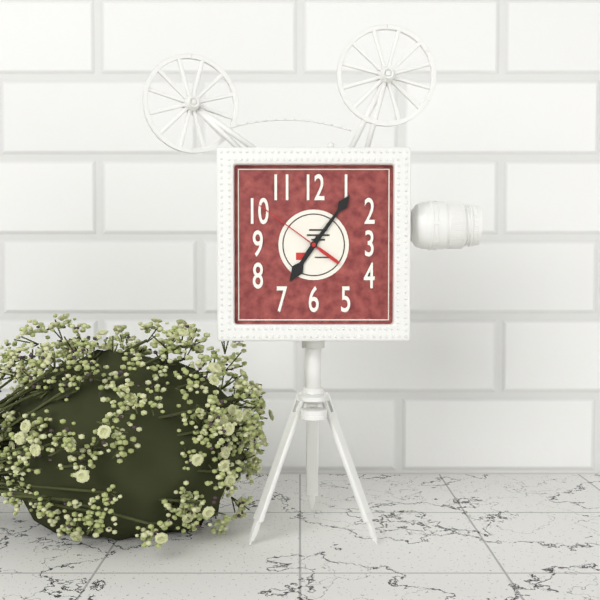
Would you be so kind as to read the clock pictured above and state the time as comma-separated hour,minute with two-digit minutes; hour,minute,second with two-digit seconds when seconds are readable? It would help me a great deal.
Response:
7,06,51
